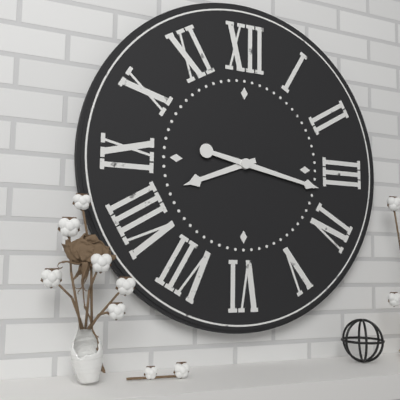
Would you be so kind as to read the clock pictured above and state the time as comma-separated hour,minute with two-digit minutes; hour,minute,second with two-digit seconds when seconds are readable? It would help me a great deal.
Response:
8,17
